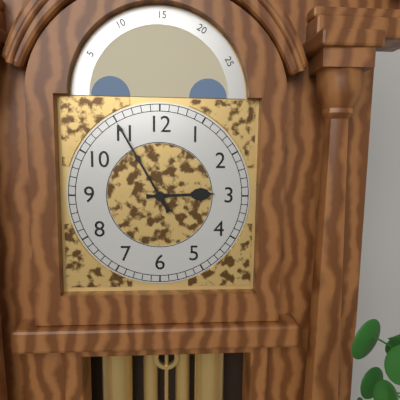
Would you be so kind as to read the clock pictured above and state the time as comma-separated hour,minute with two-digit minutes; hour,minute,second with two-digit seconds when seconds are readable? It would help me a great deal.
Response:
2,55
